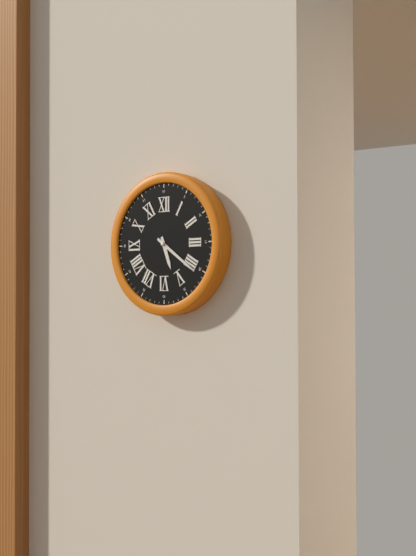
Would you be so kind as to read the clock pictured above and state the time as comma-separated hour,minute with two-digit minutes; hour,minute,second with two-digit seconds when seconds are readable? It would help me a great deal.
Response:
5,21
